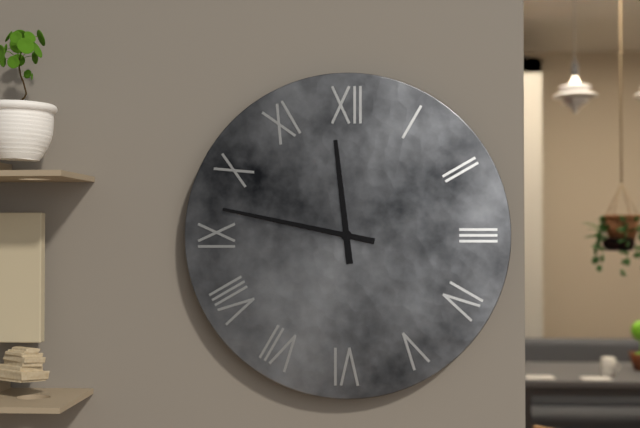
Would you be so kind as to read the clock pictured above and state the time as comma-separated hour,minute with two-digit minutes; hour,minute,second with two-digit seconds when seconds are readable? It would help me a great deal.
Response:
11,47
